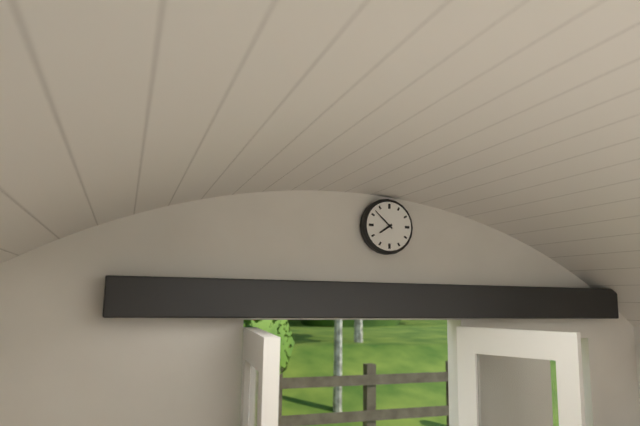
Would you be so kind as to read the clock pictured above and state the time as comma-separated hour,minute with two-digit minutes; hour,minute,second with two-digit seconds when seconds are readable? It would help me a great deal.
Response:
7,52
